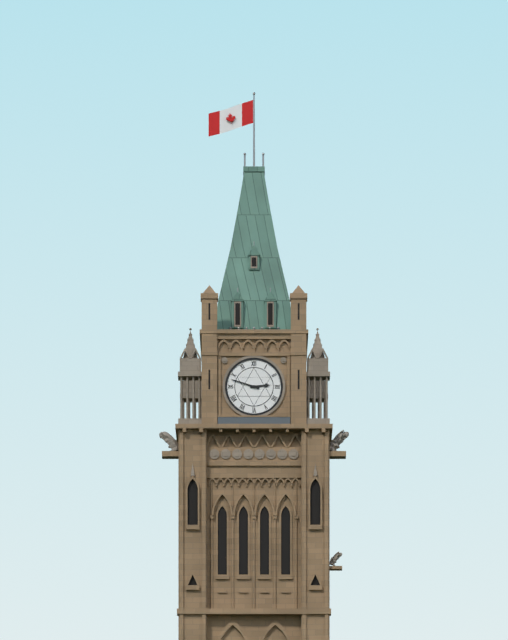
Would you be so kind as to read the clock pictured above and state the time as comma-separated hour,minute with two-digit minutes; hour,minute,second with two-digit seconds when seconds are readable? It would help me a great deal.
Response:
2,48
